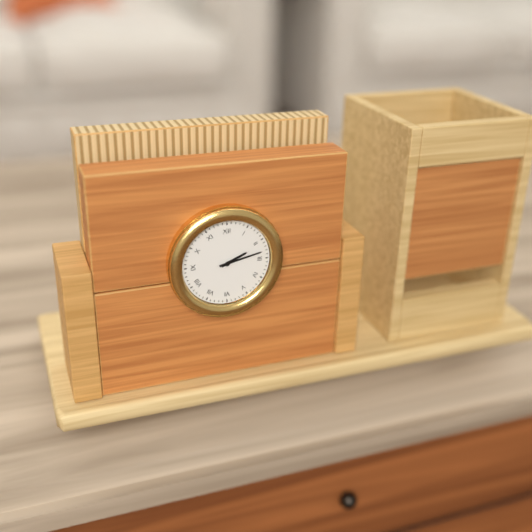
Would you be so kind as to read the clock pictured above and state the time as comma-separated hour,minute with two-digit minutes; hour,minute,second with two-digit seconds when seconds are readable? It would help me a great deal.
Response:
2,13
